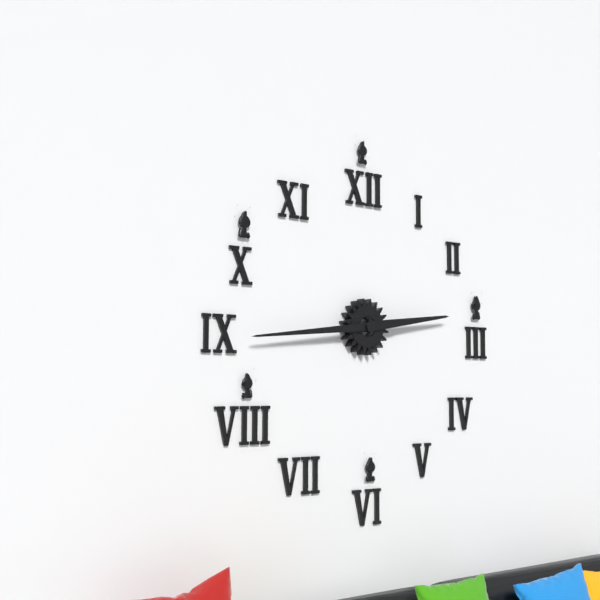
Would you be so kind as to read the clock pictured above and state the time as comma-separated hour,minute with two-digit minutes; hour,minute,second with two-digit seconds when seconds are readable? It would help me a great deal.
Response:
2,44
